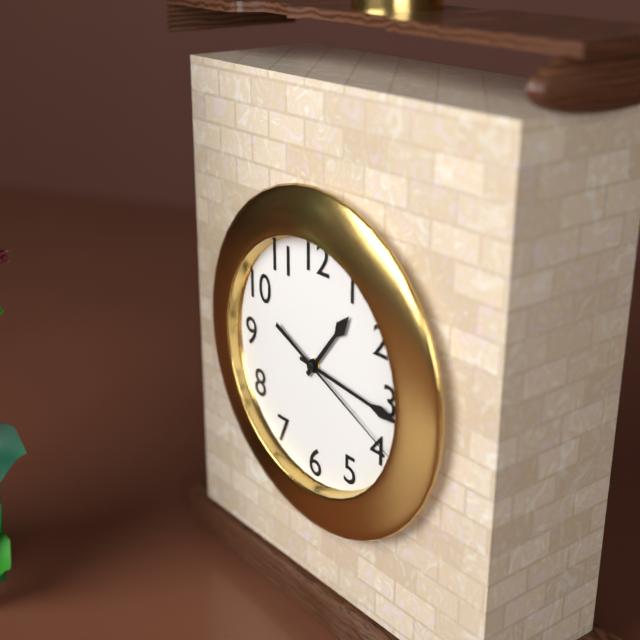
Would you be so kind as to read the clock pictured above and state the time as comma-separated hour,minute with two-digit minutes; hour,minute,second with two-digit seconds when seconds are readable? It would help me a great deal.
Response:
1,16,19
